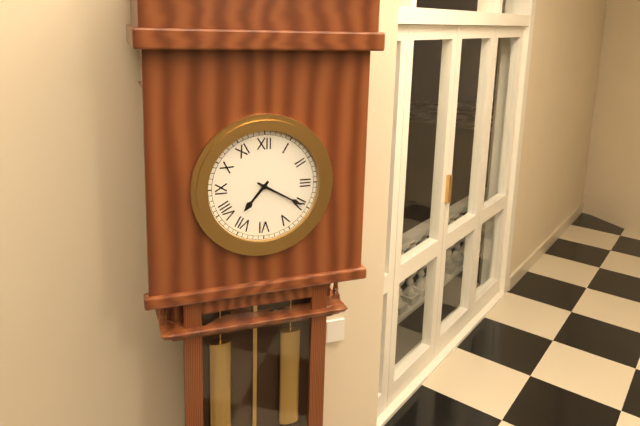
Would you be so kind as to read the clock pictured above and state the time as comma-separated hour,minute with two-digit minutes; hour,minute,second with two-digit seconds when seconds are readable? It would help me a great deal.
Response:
7,20
